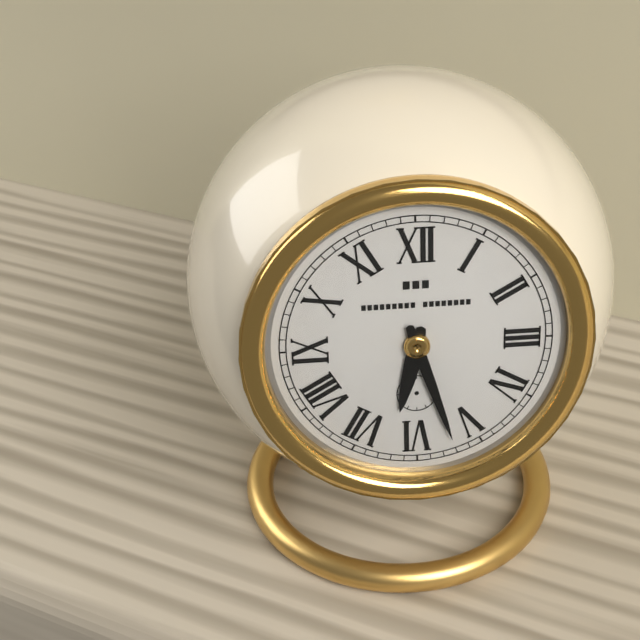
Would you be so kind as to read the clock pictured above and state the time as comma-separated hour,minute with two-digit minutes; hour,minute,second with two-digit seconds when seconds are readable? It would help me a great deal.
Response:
6,27
